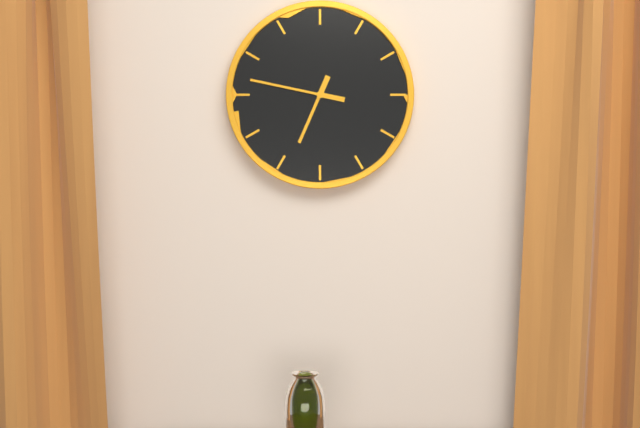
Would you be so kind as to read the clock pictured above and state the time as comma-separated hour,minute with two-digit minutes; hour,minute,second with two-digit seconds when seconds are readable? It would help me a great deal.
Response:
6,47
